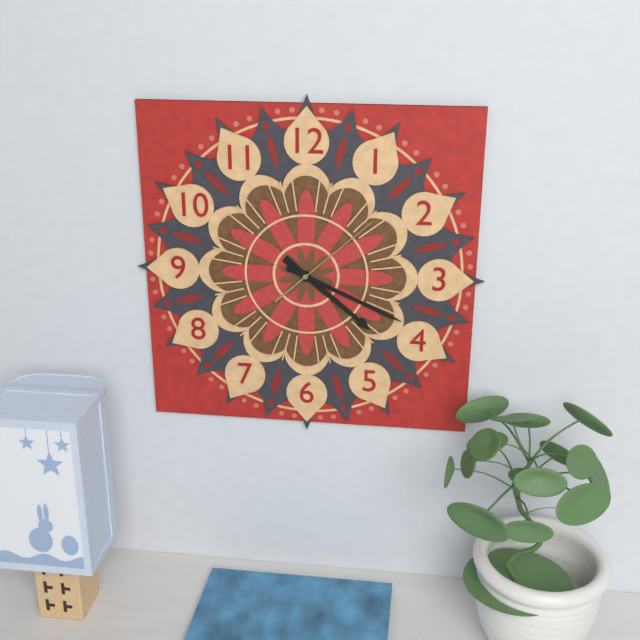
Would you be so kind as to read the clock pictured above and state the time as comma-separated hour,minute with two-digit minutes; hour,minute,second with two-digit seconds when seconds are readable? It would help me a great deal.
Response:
4,19,08
